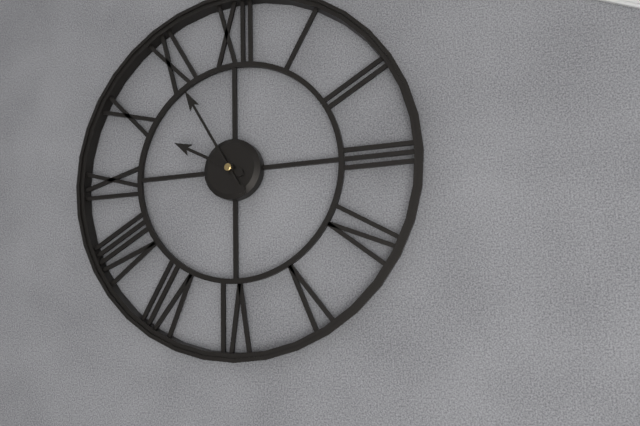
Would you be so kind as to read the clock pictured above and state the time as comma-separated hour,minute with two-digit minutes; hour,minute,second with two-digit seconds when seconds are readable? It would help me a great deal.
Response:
9,55
